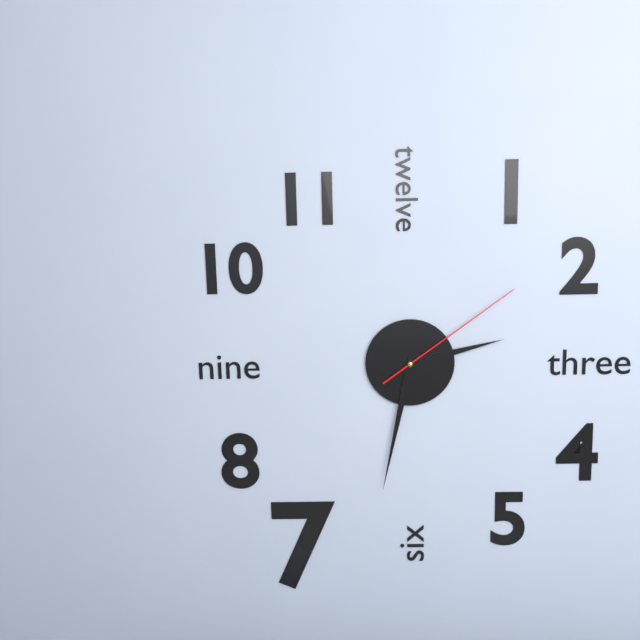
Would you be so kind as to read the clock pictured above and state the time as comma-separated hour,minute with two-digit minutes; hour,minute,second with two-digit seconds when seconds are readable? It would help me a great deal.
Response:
2,32,09
